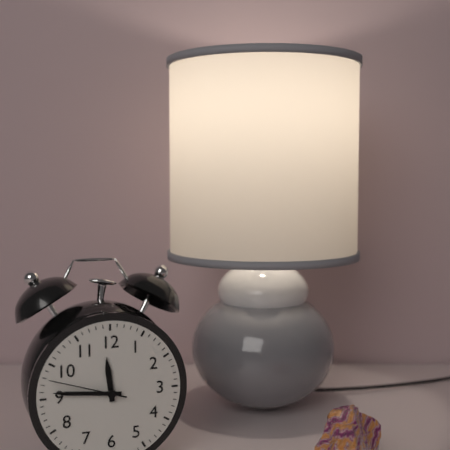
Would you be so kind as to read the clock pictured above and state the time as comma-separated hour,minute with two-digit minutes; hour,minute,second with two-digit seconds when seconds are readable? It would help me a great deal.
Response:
11,46,48
